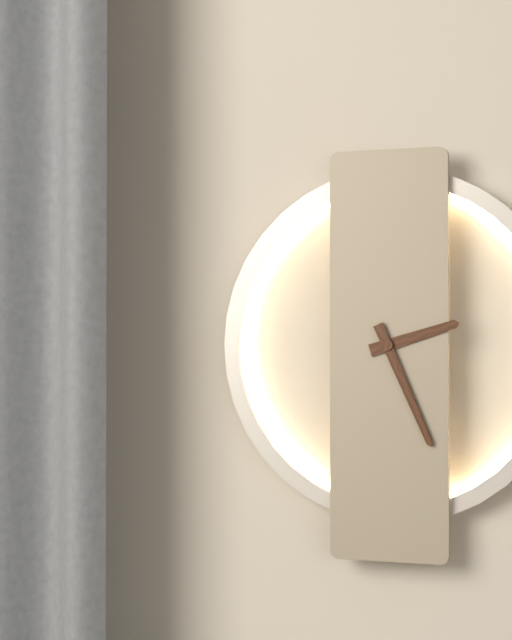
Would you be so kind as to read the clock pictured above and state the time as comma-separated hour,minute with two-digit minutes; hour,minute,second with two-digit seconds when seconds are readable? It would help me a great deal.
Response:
2,26
